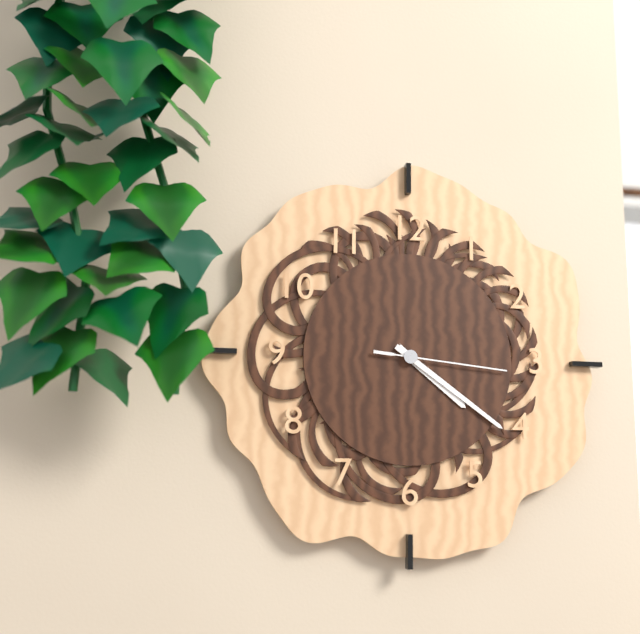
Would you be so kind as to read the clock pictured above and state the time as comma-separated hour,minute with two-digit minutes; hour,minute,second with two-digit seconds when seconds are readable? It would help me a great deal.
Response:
4,21,16
